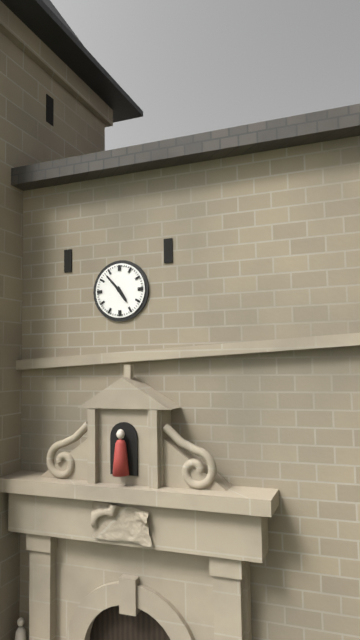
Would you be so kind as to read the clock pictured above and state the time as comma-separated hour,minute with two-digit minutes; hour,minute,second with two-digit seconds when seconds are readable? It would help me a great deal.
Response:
4,53
